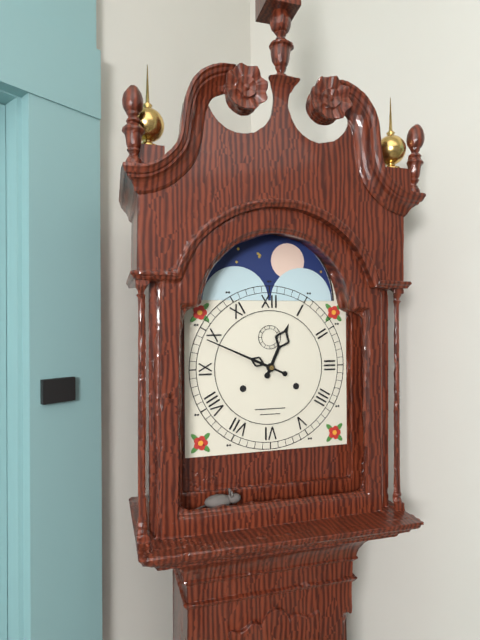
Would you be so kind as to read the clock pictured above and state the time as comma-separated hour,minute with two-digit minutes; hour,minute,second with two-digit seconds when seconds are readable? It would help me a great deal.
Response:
12,49
